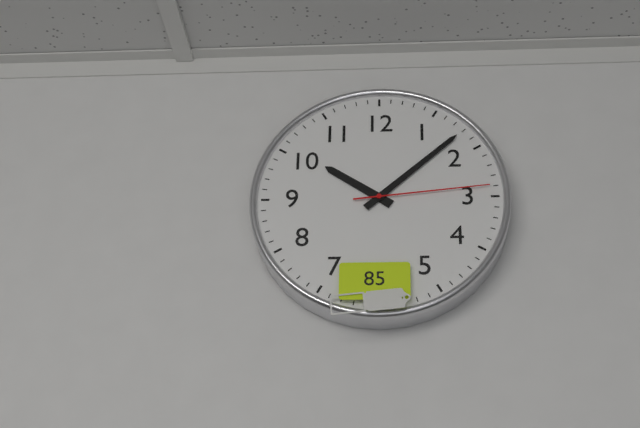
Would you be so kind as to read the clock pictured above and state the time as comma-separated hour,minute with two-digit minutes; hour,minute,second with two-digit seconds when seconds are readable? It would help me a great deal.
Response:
10,08,14
